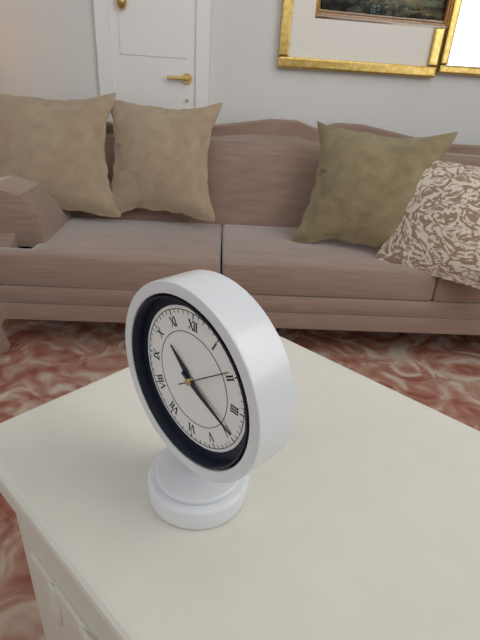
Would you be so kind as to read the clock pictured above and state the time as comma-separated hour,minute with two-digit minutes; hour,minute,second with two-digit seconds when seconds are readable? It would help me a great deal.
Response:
10,19
